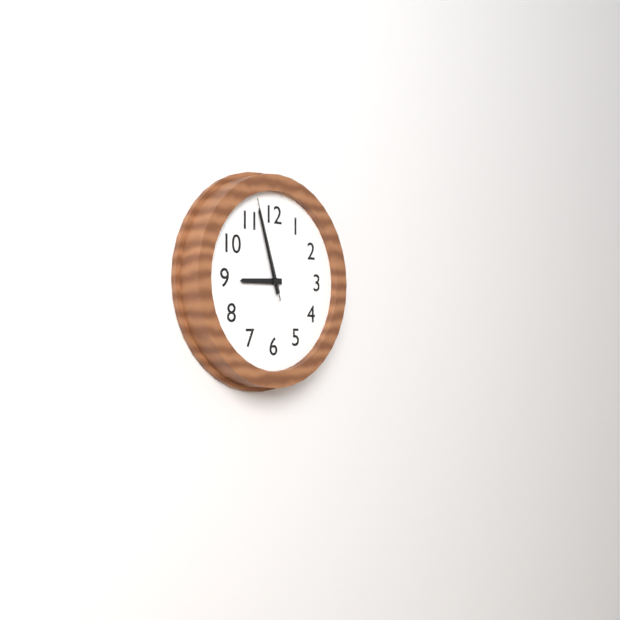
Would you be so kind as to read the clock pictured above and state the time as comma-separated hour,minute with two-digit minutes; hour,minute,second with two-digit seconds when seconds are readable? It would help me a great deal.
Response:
8,57,57
